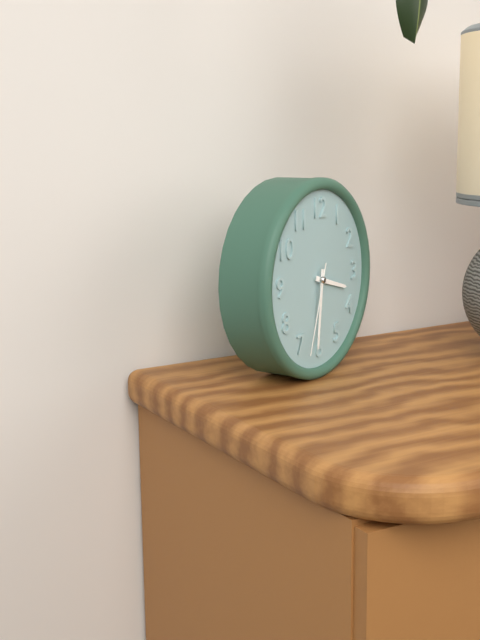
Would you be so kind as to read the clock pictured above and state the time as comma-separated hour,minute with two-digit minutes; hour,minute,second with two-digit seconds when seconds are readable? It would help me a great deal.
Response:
3,31,33
